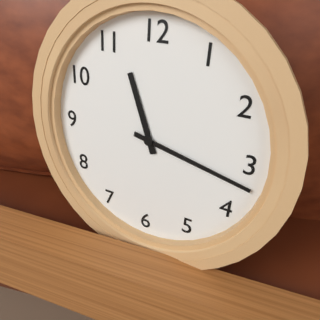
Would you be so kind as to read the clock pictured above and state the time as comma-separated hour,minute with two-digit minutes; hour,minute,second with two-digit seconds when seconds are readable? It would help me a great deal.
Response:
11,17
